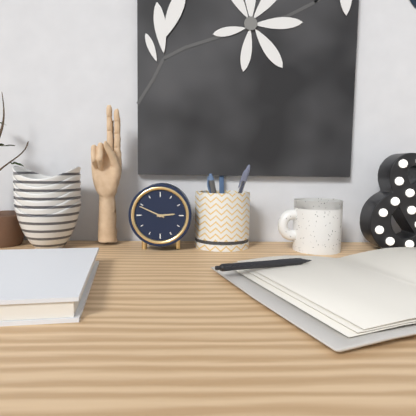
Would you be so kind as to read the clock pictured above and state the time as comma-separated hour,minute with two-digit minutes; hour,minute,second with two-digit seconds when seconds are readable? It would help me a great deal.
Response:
2,49
